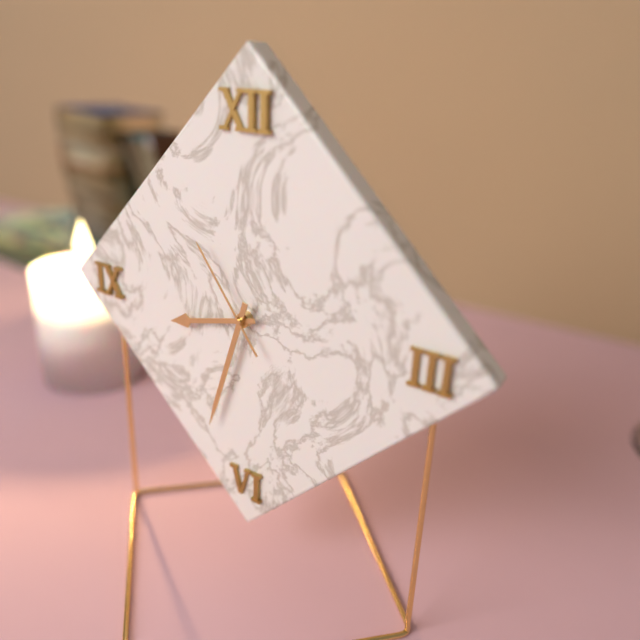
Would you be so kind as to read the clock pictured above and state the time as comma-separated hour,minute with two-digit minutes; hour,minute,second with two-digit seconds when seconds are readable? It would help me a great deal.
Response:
8,33,54
